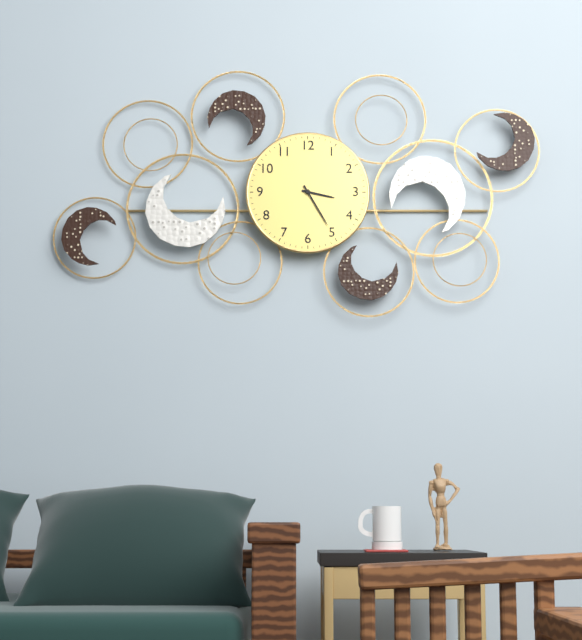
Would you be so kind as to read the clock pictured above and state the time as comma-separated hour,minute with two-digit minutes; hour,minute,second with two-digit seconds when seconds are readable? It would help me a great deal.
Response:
3,25
